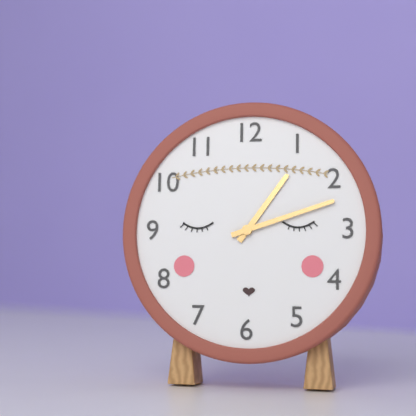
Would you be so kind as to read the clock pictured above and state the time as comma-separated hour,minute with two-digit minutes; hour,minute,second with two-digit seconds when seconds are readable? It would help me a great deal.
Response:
1,12
